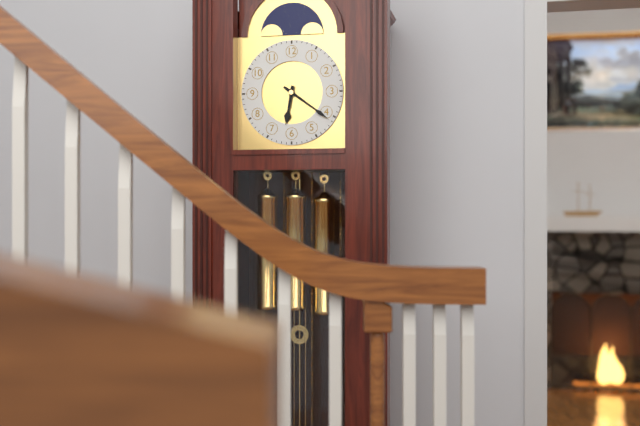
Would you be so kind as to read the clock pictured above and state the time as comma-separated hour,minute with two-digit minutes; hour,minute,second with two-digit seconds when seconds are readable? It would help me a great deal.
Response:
6,21
